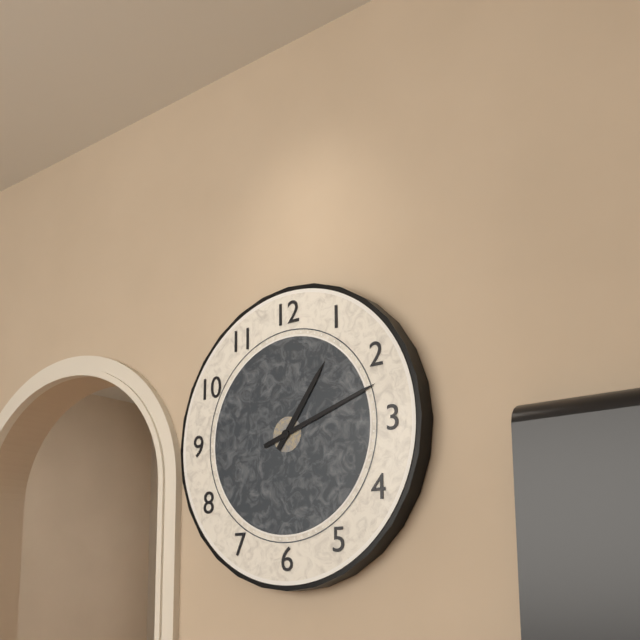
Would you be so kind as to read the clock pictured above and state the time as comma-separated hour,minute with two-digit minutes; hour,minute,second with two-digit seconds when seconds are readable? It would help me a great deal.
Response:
1,12
